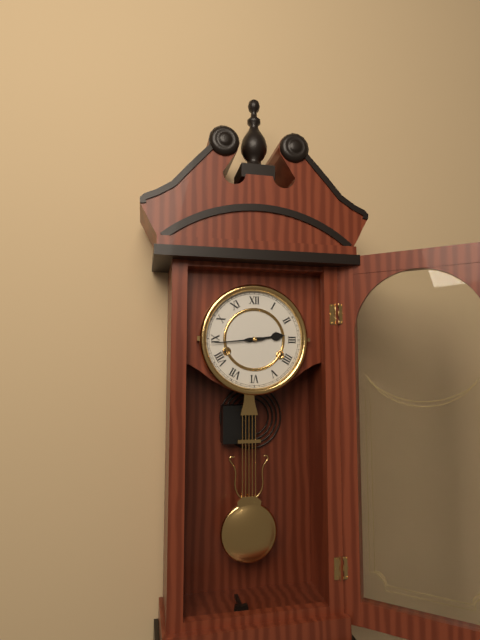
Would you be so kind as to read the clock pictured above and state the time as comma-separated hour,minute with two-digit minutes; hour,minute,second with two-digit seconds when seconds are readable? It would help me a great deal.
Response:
2,44
